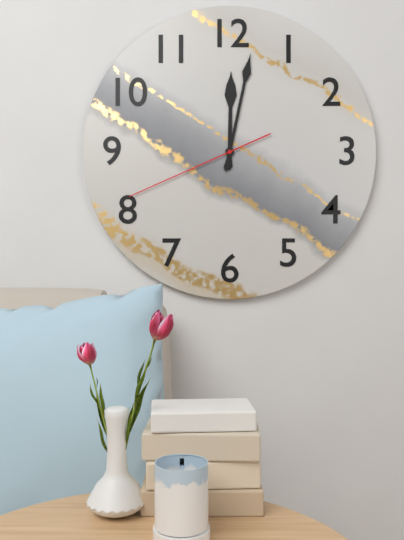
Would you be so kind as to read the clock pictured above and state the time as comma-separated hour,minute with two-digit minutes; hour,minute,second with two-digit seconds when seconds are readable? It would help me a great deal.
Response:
12,02,41
